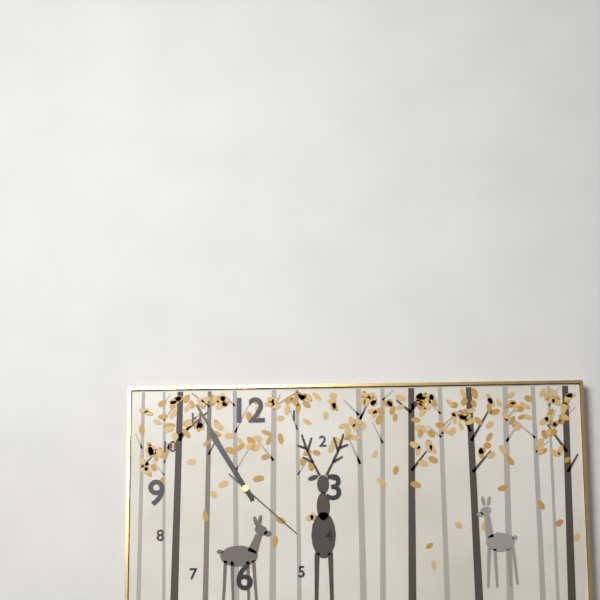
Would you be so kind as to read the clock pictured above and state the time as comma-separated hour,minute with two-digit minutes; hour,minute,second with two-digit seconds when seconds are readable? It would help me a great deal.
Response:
10,55,22
